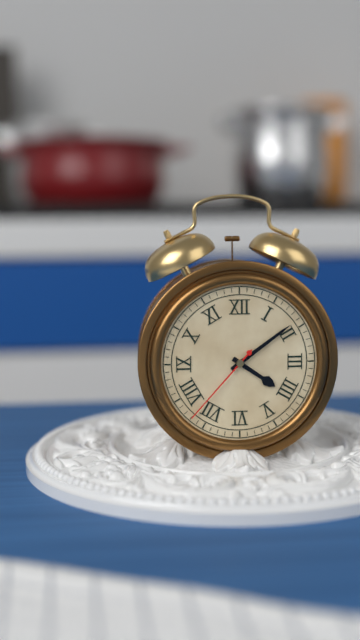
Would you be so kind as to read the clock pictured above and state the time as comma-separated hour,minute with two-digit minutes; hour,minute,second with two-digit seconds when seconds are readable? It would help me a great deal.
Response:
4,09,37
